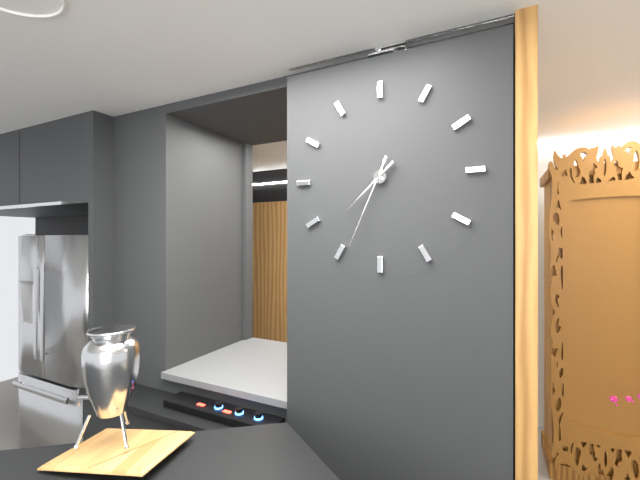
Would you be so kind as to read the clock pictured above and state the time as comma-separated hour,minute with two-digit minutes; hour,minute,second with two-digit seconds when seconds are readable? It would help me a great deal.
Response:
7,34
